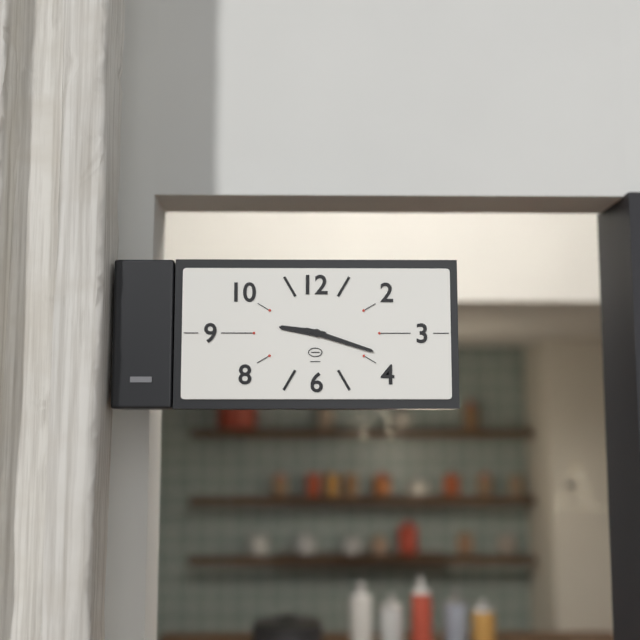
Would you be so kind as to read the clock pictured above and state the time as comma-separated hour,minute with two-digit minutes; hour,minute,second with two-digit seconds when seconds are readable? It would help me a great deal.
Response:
9,18
